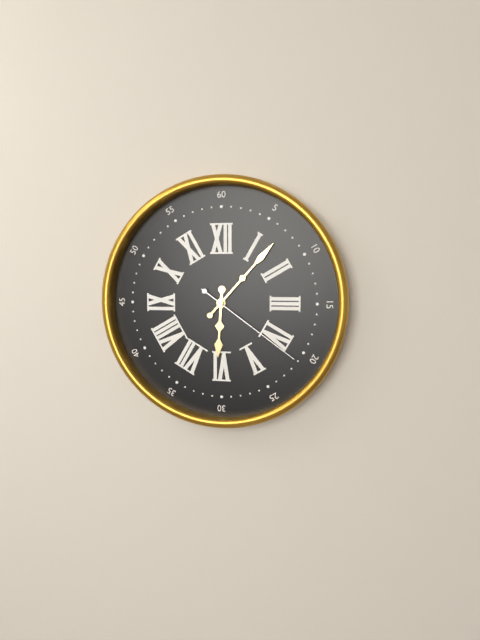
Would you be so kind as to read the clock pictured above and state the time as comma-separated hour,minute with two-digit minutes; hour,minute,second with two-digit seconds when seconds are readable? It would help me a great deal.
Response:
6,07,21
